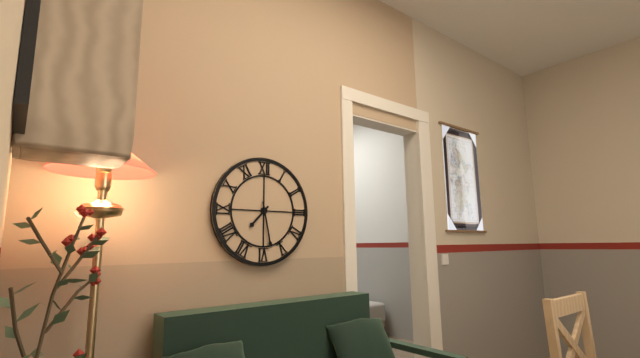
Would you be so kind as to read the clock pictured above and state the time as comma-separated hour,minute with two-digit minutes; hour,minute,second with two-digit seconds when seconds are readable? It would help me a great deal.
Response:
7,28
